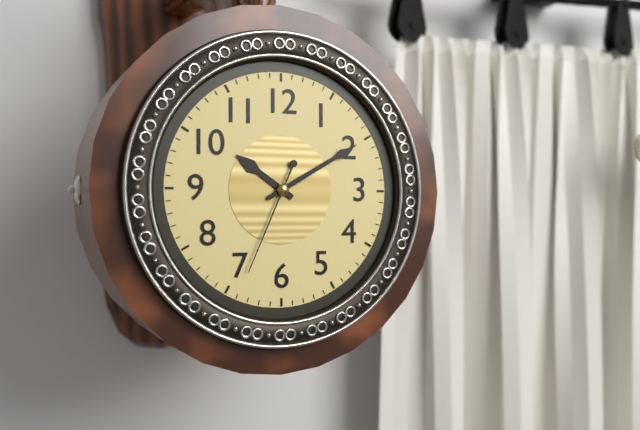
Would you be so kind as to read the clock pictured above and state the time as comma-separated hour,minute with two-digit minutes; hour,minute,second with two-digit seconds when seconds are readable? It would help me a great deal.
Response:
10,10,34
